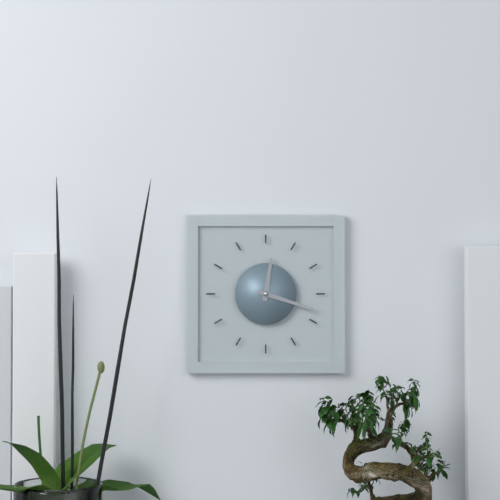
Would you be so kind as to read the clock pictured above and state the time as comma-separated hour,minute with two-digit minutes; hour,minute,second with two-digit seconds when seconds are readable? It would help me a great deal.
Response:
12,18
